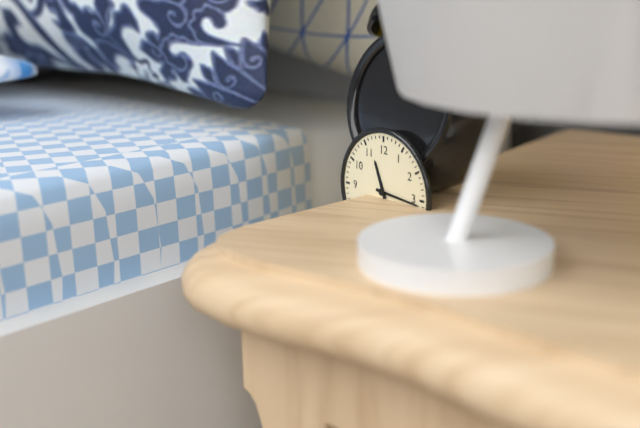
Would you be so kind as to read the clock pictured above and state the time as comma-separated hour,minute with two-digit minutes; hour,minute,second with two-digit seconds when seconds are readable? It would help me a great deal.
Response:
11,16
